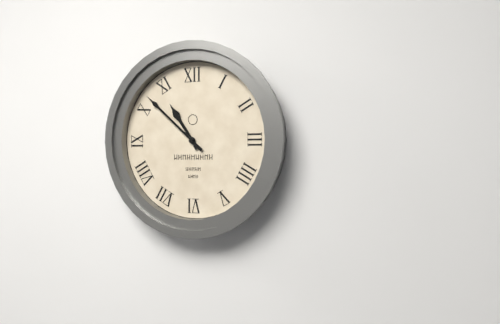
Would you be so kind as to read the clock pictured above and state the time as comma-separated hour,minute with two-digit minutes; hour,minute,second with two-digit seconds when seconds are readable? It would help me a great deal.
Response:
10,52
